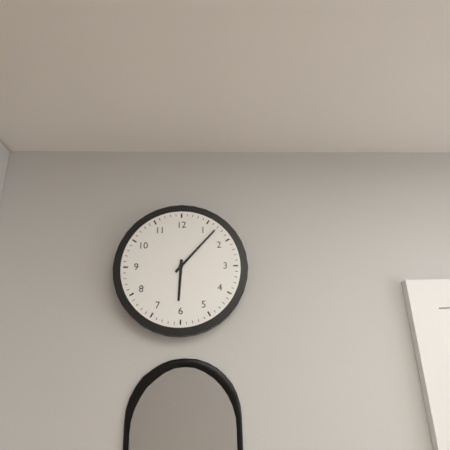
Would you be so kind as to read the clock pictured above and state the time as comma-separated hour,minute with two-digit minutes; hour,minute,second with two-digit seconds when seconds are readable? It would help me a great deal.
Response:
6,07
